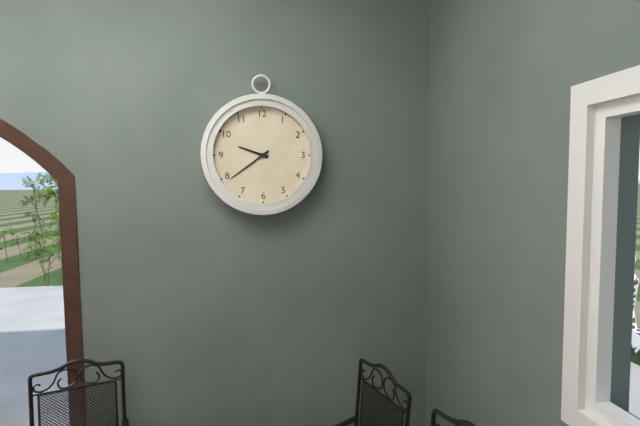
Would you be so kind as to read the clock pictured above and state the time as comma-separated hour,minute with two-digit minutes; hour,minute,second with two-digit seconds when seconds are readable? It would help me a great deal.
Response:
9,39
